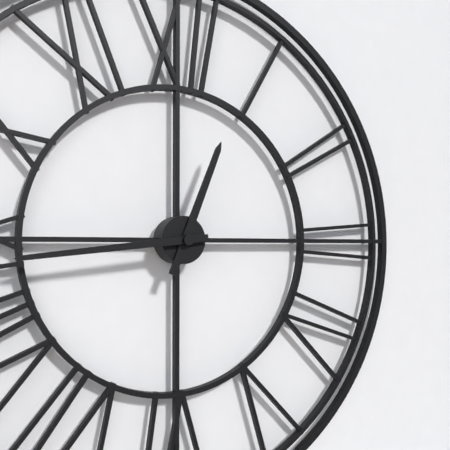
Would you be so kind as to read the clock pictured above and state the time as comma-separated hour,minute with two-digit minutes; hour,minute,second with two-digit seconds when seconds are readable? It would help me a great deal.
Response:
12,44
